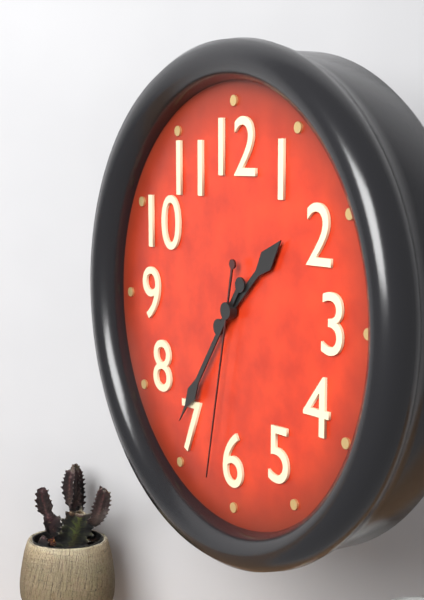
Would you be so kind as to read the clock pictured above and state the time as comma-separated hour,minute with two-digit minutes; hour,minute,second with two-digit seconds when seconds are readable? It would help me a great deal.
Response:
1,36,32
